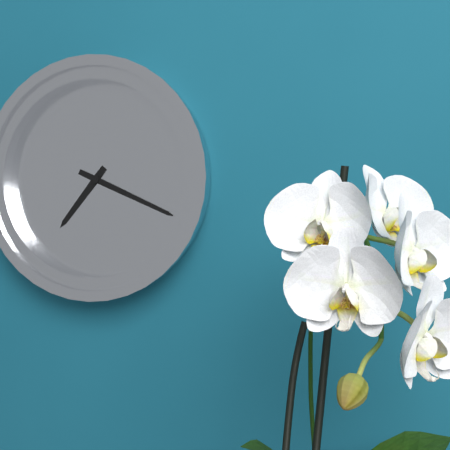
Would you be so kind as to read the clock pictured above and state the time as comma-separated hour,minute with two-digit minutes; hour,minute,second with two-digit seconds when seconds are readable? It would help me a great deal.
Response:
7,19
